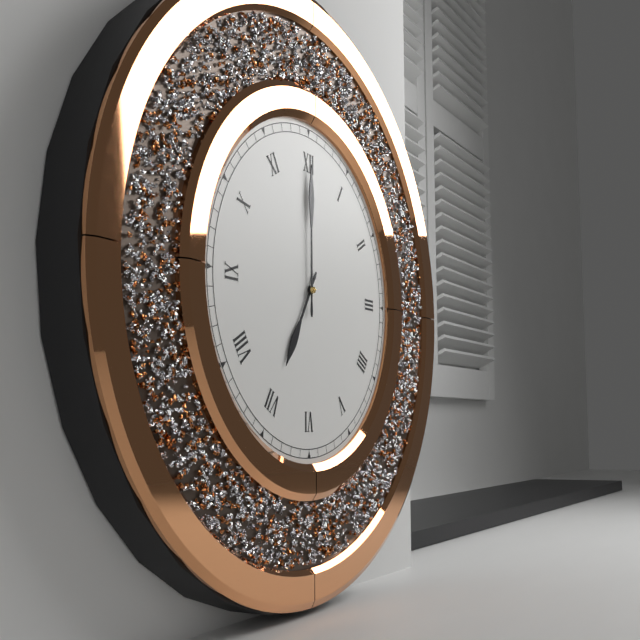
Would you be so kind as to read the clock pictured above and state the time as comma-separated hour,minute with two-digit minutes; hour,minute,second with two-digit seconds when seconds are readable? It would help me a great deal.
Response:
7,00
